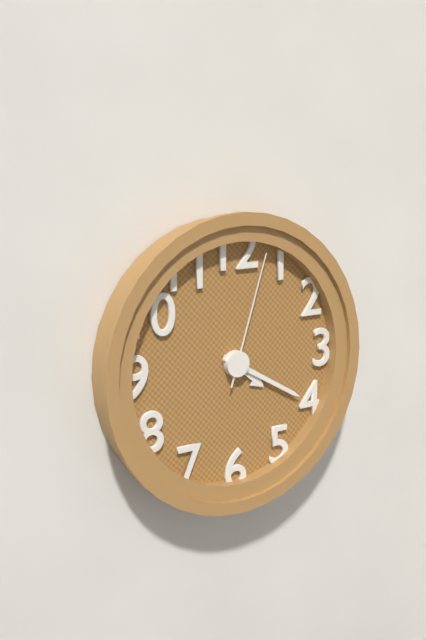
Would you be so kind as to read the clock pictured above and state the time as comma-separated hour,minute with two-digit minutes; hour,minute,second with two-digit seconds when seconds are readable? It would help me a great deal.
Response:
4,20,03
